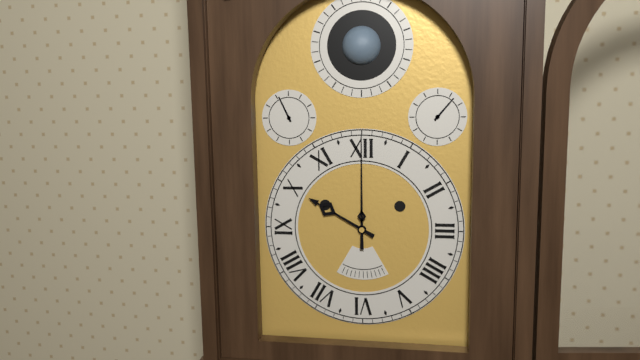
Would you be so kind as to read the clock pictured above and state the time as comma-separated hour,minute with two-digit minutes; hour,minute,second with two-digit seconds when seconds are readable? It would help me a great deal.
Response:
10,00
